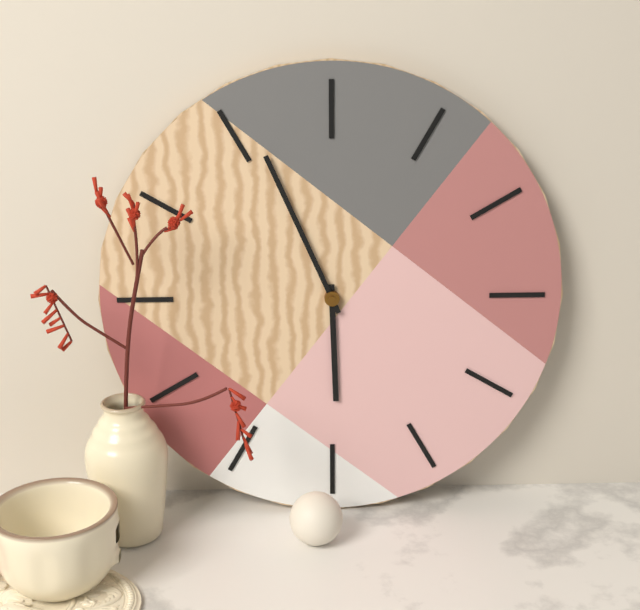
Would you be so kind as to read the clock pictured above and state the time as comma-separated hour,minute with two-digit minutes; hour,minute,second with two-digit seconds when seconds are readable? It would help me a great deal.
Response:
5,56
